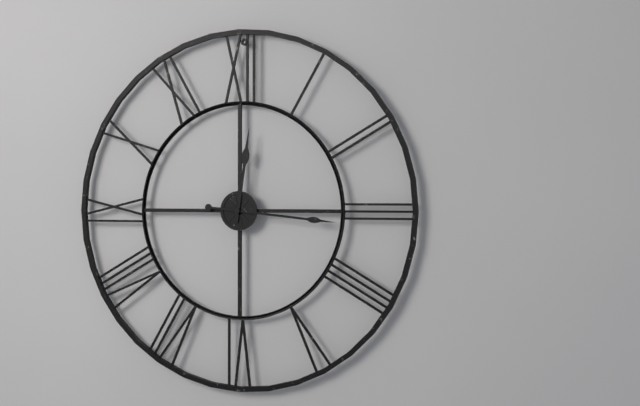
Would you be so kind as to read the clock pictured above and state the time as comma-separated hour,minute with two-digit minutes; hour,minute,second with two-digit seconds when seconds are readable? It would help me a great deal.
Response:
12,16
